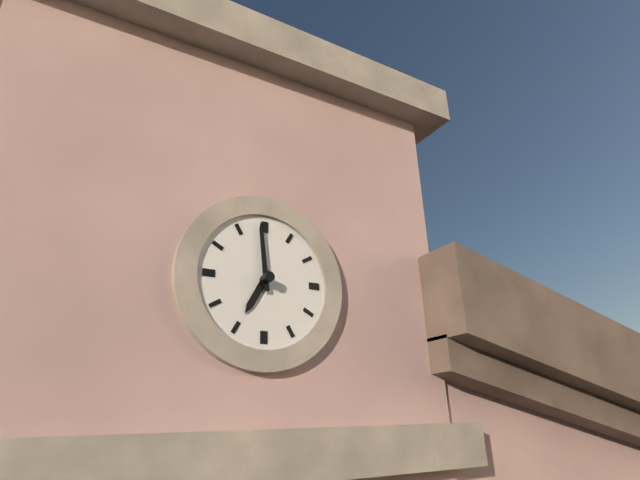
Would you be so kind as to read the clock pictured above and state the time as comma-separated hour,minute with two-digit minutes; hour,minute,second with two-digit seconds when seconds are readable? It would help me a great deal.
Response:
6,59
